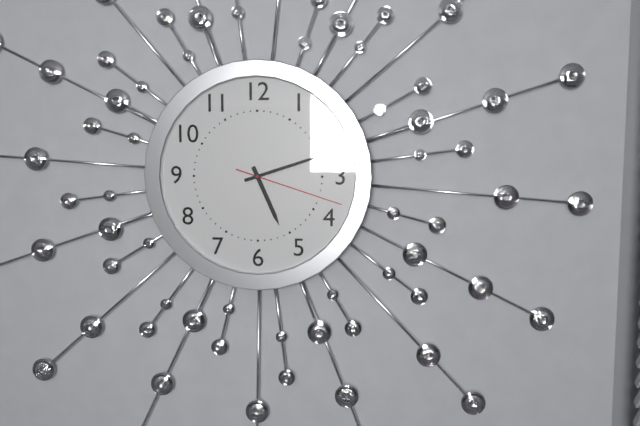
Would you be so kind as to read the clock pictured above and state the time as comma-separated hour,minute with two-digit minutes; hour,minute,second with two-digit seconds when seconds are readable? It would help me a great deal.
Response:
5,12,18
